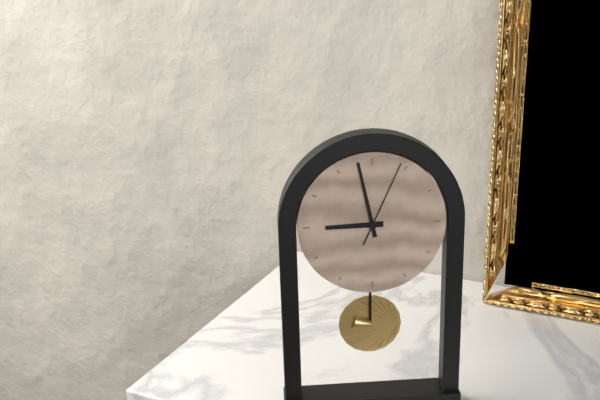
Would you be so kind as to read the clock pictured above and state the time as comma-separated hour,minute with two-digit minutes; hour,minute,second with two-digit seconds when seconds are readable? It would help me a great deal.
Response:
8,58,04
